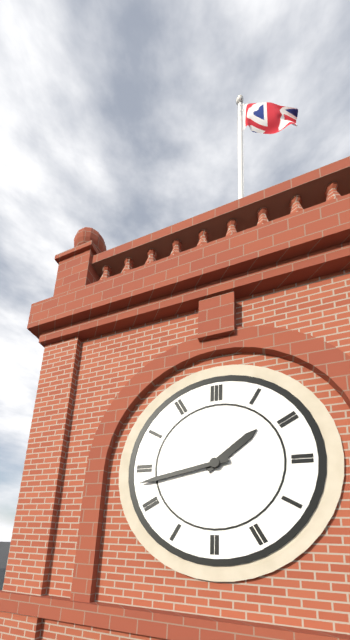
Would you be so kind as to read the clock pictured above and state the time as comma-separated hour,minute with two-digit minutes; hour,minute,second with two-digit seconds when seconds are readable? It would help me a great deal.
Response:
1,43
